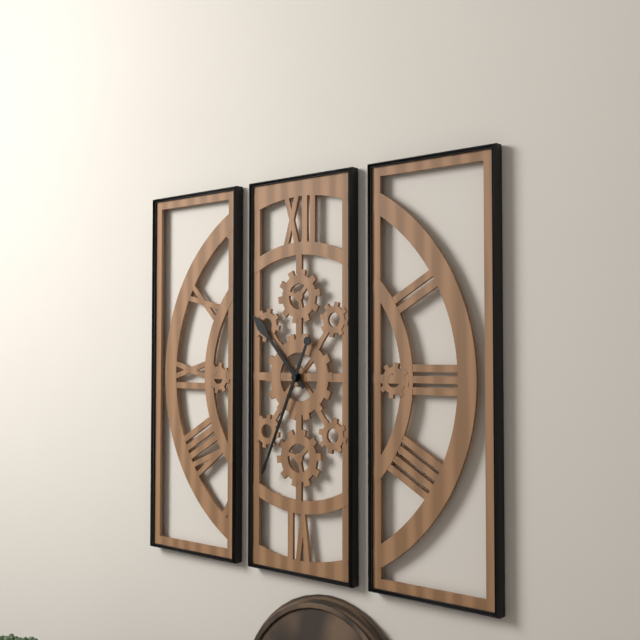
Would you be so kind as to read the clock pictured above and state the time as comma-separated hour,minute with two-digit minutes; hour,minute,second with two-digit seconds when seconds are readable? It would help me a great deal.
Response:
10,34
